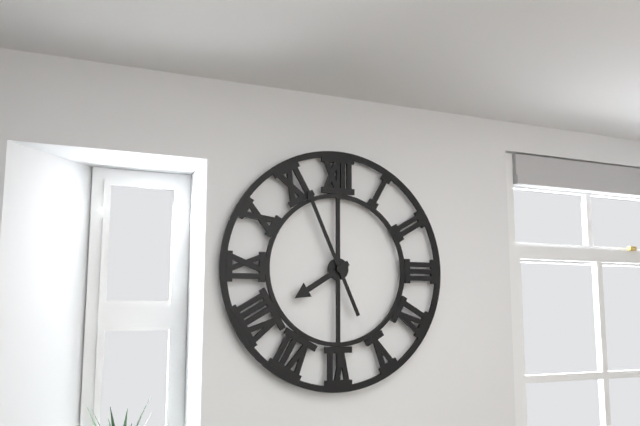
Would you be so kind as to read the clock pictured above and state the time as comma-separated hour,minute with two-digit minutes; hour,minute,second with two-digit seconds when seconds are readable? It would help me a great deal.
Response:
7,56
